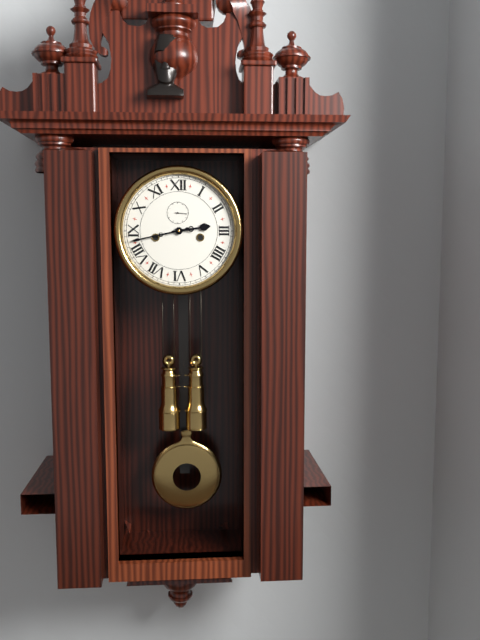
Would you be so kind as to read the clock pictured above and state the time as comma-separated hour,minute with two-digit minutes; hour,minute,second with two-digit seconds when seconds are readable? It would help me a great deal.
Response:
2,43
